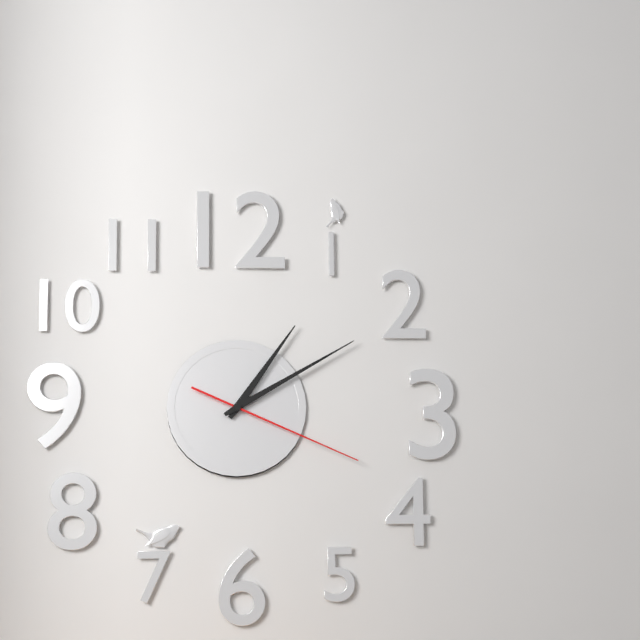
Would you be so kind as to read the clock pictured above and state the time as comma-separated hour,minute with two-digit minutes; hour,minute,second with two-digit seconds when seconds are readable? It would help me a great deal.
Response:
1,10,19
